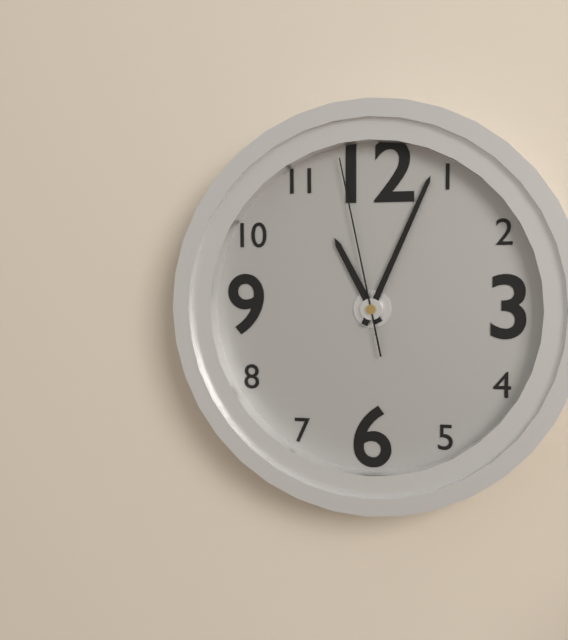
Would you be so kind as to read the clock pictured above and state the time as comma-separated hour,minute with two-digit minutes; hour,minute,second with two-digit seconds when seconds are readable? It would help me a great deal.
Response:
11,04,58
